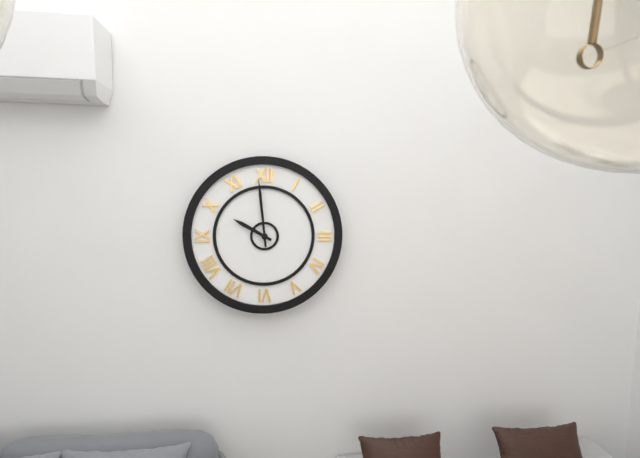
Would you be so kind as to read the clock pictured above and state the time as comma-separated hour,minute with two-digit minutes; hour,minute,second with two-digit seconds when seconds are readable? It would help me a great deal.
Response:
9,59
